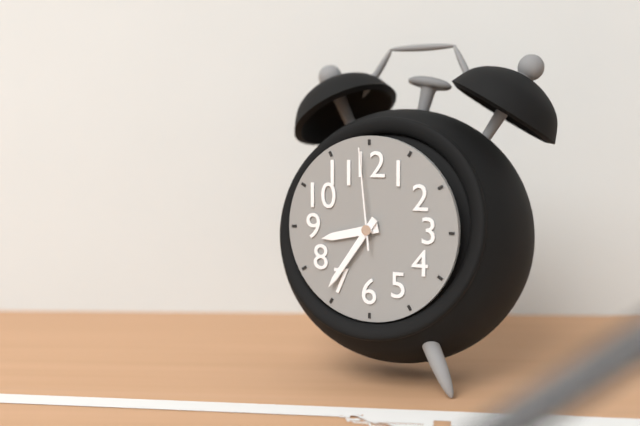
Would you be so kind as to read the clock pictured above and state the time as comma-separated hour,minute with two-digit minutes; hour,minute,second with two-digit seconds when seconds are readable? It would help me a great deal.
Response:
8,36,59
